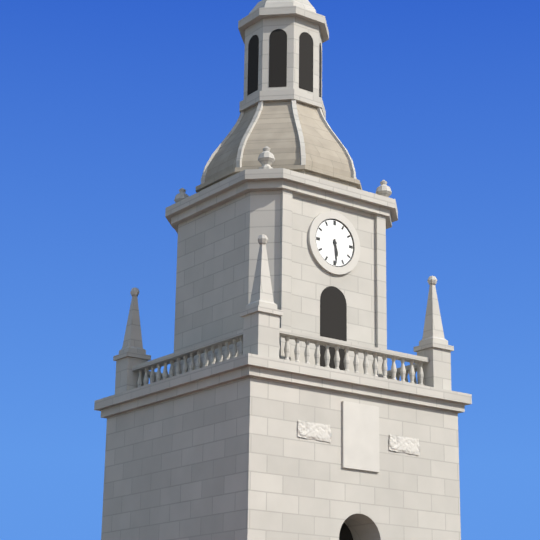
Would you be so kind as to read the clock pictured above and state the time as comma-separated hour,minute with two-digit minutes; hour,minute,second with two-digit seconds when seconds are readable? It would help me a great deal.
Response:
5,29
